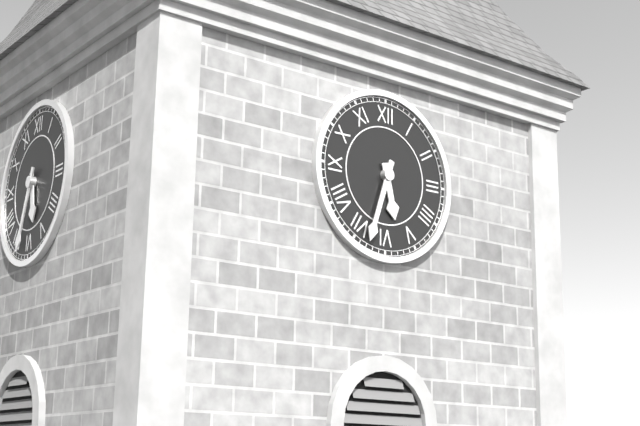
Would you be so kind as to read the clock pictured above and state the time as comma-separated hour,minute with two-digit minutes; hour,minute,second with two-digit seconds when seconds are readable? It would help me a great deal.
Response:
5,33
